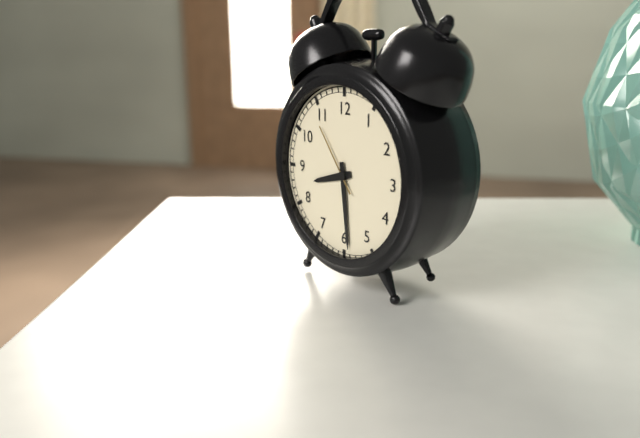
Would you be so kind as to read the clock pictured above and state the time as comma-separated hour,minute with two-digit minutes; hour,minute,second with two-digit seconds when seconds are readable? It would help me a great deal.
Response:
8,29,54
